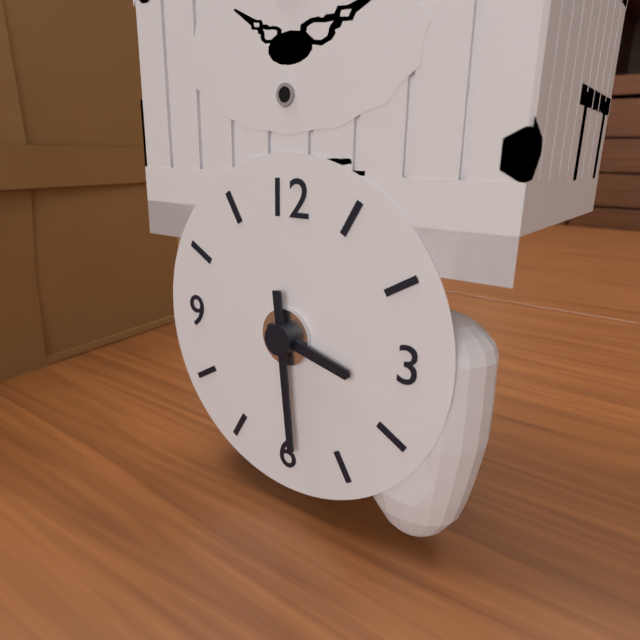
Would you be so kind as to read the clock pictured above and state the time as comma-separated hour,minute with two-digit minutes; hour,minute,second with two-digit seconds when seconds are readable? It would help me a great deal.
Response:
3,29
